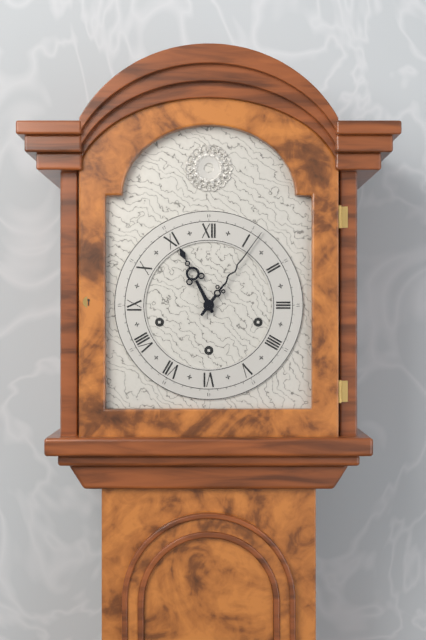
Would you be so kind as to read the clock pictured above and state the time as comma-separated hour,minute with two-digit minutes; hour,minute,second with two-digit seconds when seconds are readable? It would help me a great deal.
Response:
11,06
